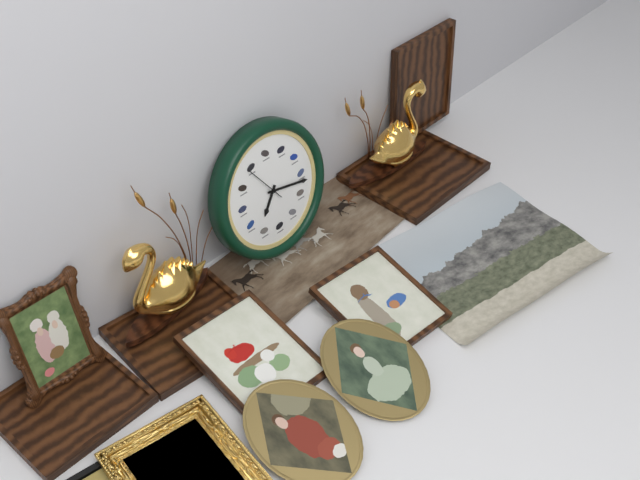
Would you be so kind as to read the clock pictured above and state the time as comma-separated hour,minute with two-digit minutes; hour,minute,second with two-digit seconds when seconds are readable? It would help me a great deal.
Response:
7,17
